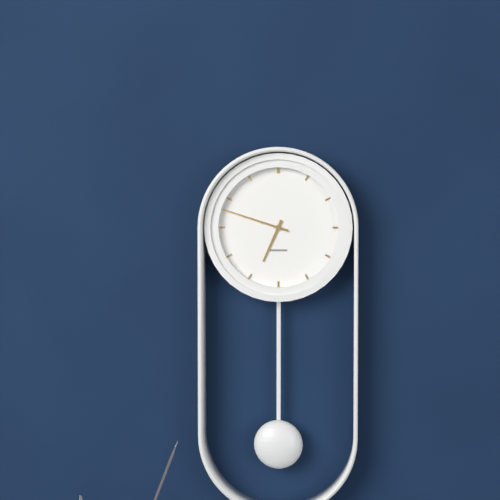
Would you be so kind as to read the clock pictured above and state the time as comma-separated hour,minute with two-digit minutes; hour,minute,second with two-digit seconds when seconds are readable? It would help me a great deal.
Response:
6,48
